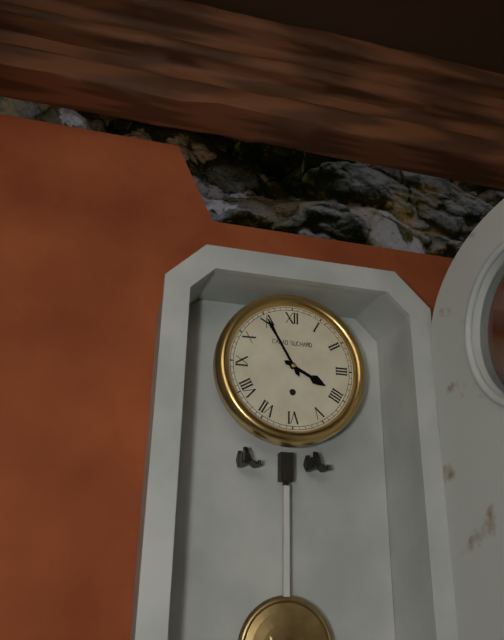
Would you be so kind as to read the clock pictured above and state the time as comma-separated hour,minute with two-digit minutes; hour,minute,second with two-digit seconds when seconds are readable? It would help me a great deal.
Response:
3,55
